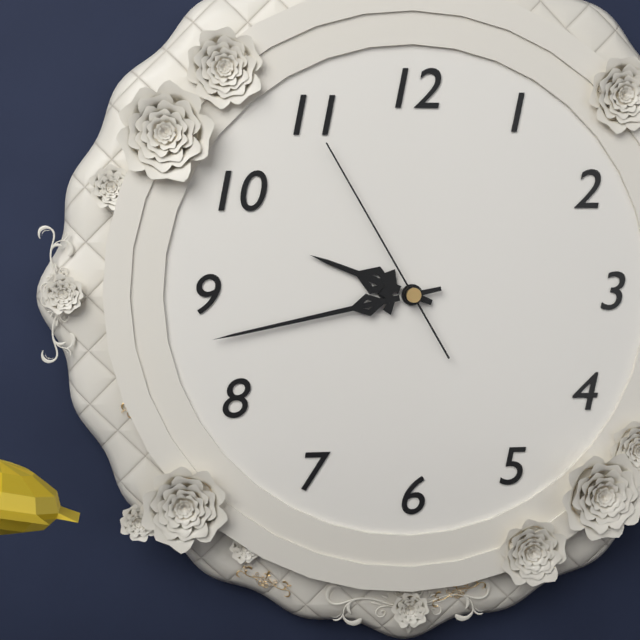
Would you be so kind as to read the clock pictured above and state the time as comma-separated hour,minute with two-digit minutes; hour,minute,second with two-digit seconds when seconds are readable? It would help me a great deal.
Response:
9,43,55
